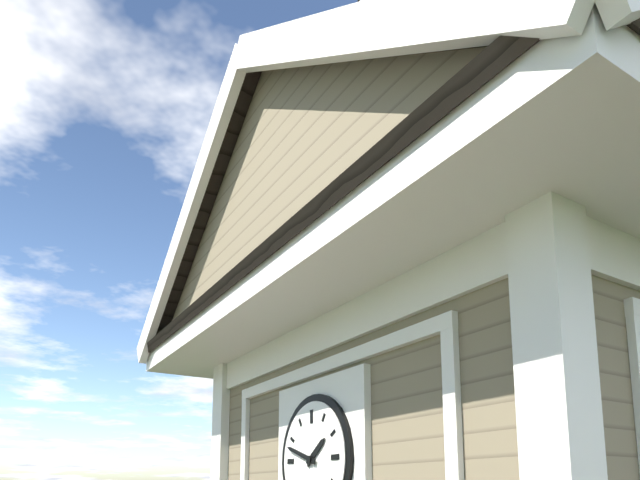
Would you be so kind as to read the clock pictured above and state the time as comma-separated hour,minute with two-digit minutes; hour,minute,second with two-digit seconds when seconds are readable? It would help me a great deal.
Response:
1,48
